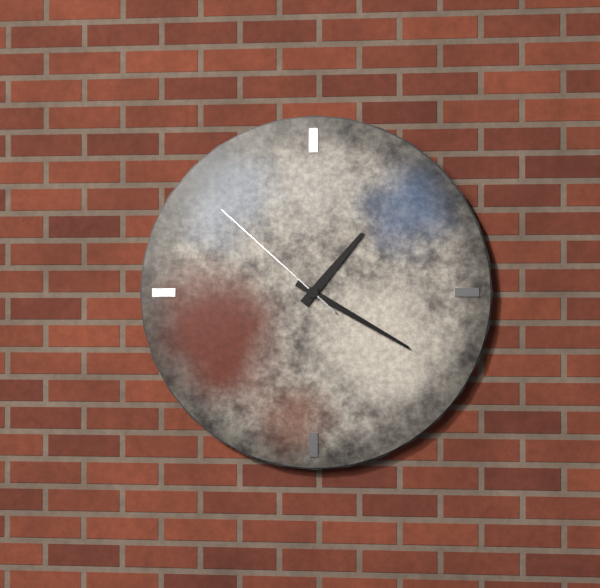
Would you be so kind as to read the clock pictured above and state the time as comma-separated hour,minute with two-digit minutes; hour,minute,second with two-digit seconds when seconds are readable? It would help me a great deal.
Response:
1,20,52
